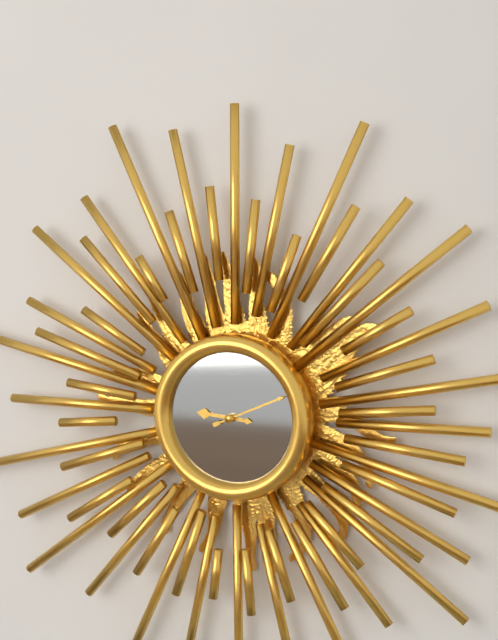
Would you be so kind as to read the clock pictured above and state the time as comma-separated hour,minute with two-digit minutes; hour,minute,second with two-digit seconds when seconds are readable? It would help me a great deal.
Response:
9,11
